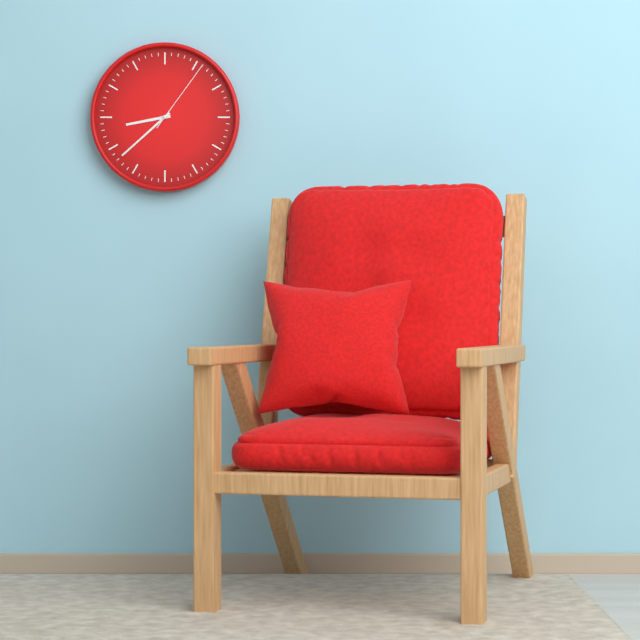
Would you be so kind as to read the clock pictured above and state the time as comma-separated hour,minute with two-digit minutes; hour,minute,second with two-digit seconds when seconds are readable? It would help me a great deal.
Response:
8,38,06
